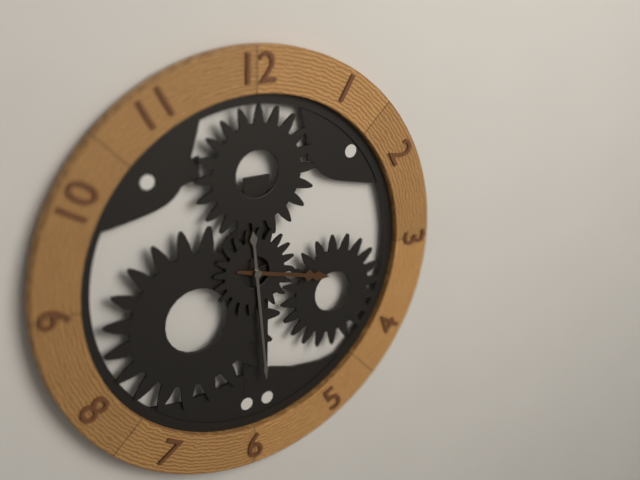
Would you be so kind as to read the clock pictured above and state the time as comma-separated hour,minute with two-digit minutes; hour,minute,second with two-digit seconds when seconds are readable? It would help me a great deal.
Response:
3,29
